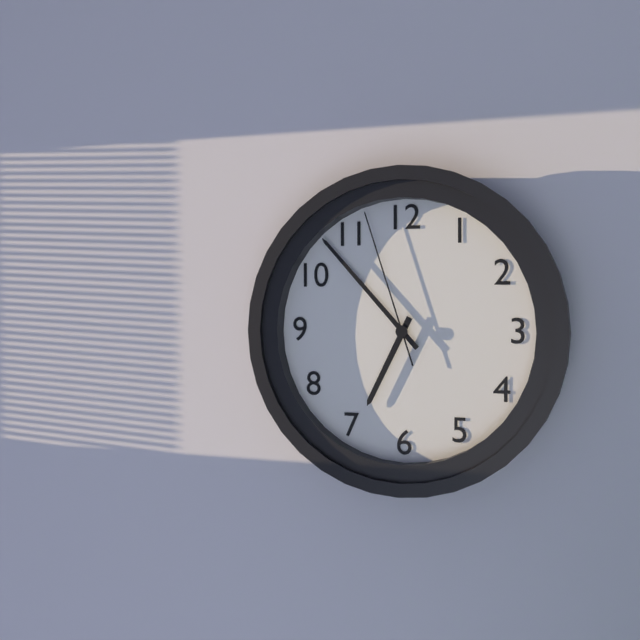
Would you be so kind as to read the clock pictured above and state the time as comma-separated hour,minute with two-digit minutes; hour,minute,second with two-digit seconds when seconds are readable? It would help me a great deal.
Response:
6,53,57
